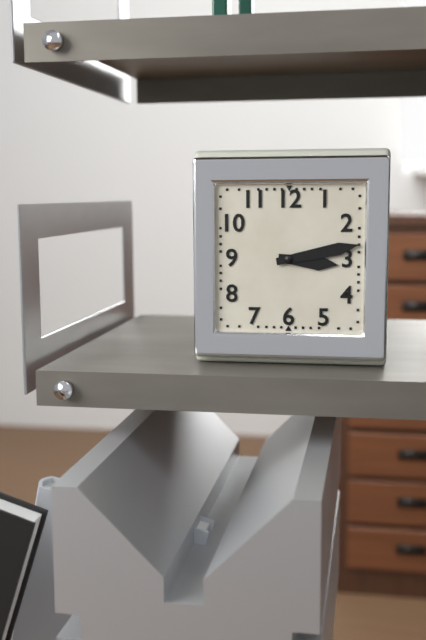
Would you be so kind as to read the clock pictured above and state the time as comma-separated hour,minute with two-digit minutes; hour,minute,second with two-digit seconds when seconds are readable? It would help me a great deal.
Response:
3,13
